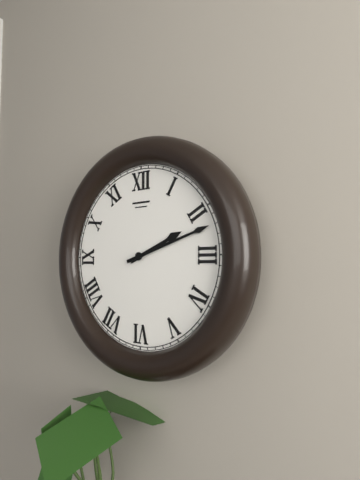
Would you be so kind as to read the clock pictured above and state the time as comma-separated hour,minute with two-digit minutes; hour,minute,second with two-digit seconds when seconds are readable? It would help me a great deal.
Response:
2,12
